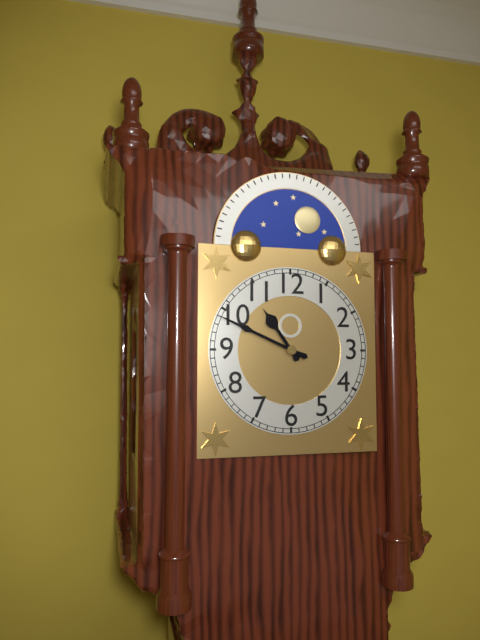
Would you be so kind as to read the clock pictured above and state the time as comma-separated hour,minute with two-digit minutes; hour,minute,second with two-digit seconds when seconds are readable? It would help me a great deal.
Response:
10,49
